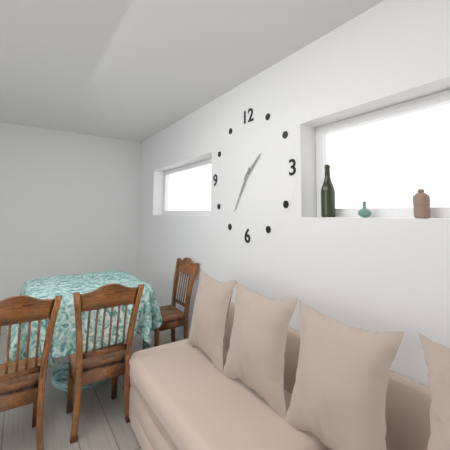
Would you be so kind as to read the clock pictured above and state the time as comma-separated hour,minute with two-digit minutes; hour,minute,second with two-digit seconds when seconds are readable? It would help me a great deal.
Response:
1,35
